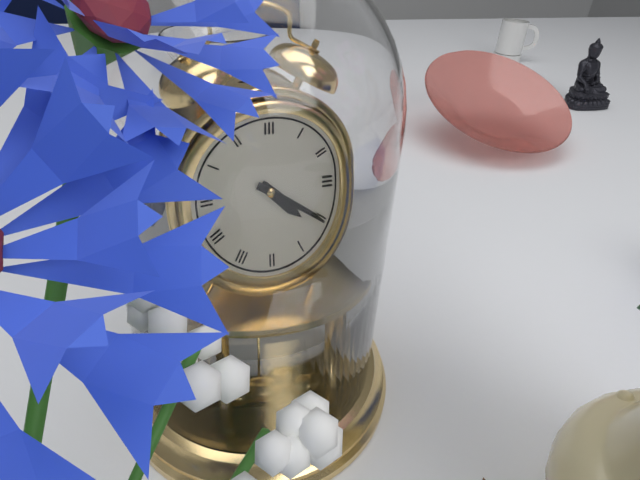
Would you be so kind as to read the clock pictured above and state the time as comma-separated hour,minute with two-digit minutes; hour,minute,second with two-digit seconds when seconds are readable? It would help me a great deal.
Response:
4,20
